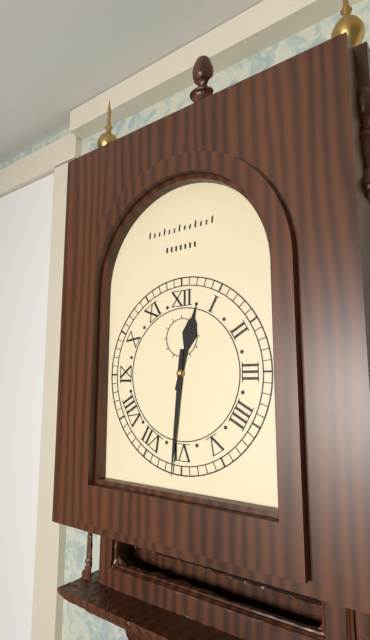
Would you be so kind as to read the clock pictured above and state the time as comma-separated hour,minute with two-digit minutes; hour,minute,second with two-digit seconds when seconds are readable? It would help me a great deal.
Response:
12,31
